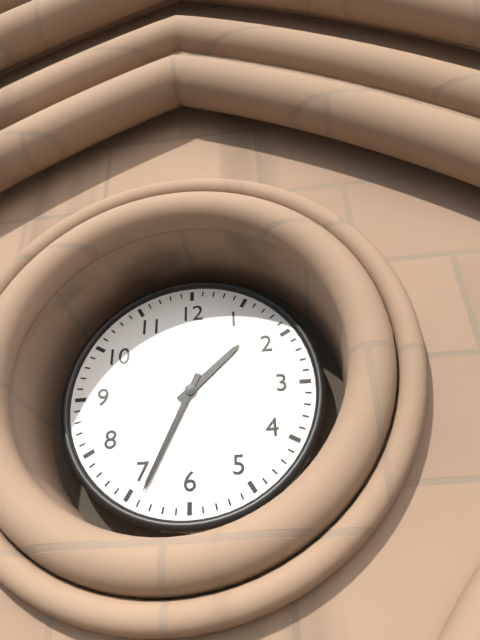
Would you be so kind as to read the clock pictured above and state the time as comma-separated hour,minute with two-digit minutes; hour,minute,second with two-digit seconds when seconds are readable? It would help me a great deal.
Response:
1,34
